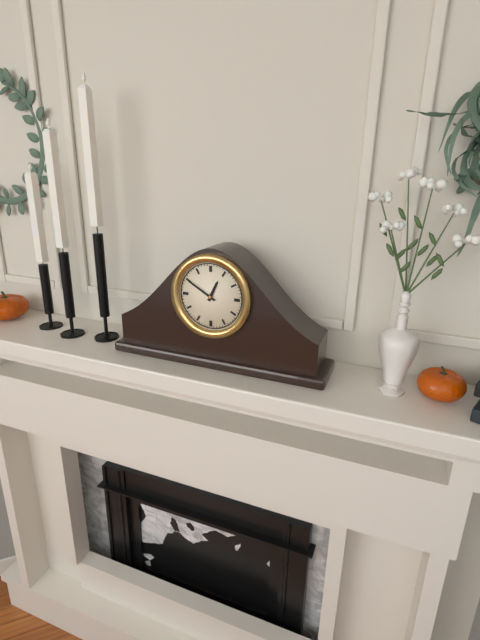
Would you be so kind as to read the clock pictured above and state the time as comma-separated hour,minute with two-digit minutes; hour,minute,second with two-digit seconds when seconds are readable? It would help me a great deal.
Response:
12,50
